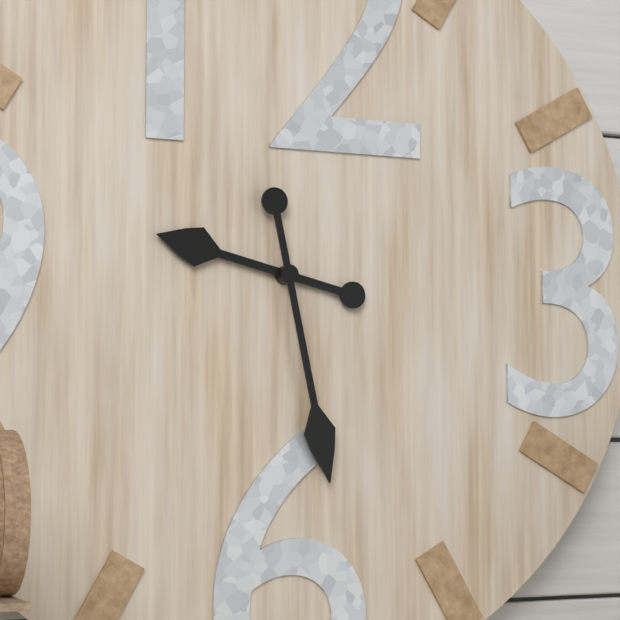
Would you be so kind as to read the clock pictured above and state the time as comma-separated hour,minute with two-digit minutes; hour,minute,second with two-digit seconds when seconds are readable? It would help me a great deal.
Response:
9,28
